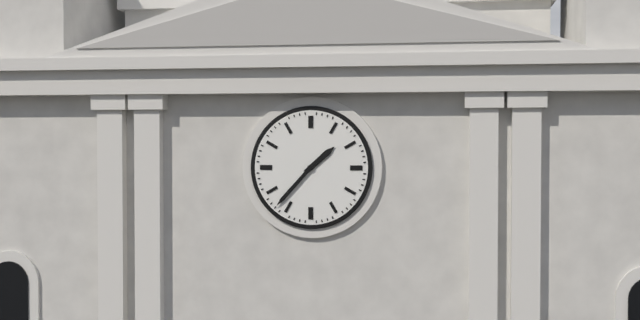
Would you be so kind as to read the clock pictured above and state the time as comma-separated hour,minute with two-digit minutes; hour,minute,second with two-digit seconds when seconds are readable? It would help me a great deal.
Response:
1,37
